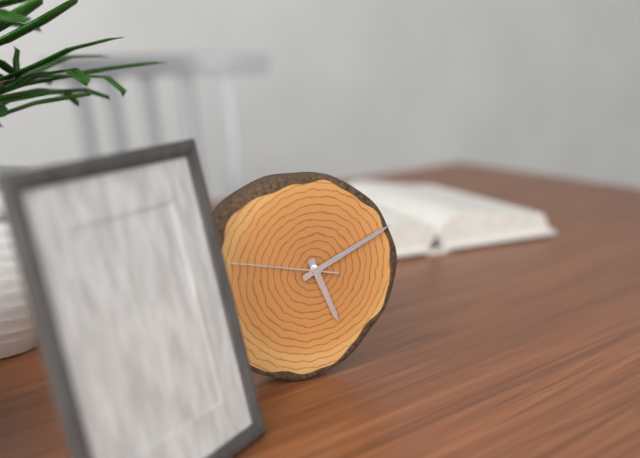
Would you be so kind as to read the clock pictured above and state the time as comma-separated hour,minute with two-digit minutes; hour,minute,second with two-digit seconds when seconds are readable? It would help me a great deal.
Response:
5,11,47
